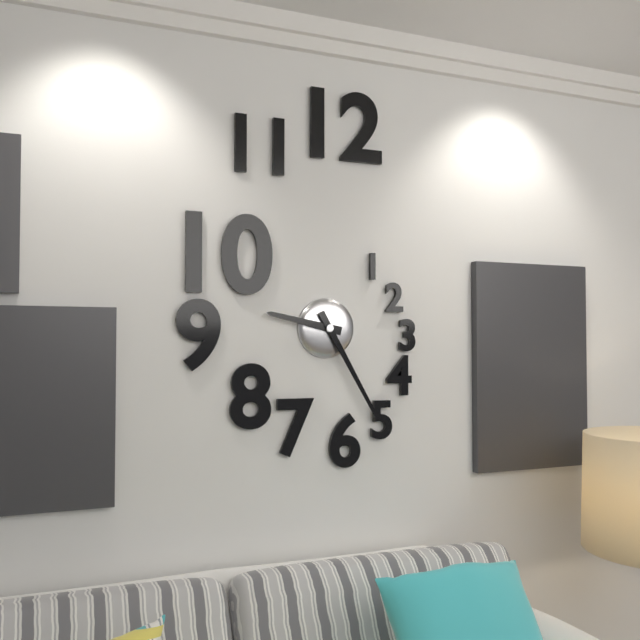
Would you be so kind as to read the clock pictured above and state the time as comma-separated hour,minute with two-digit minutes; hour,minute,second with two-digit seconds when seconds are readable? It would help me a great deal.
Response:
9,25
